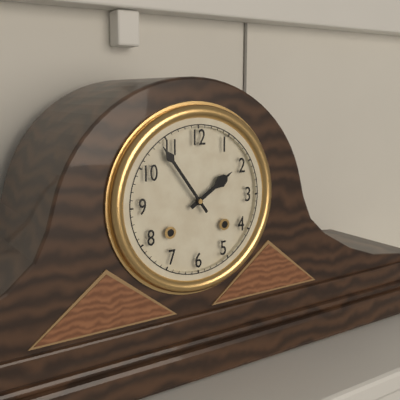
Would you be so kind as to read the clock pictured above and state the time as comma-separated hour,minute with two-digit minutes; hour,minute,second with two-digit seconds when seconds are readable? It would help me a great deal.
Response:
1,54
